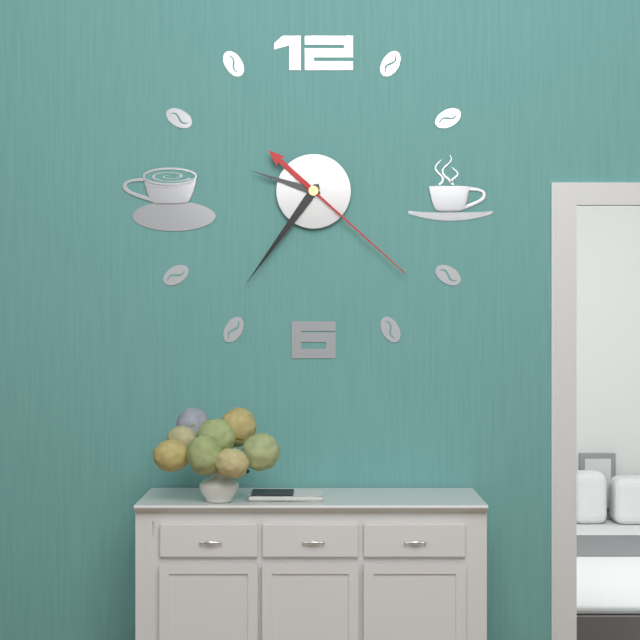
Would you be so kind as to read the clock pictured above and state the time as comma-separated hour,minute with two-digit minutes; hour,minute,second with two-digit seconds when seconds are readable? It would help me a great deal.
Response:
9,36,22
